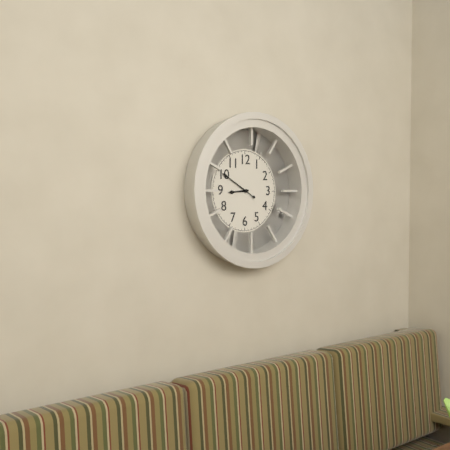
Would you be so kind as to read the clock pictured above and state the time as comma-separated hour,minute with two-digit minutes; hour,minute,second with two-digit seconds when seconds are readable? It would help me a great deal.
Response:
8,50
